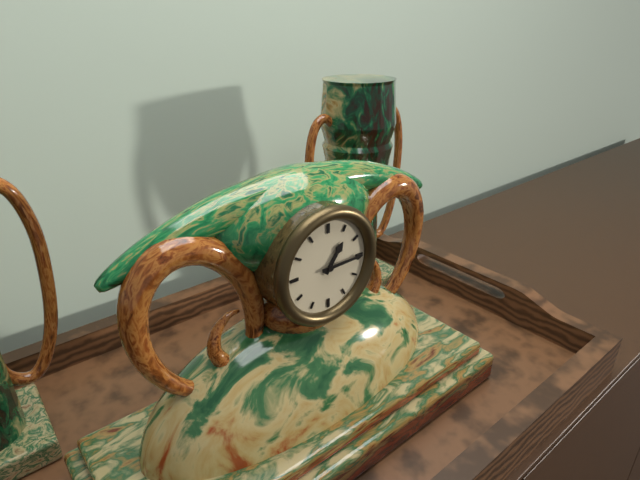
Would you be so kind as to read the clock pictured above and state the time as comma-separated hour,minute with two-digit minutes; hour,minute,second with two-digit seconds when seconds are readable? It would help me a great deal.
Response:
1,15
